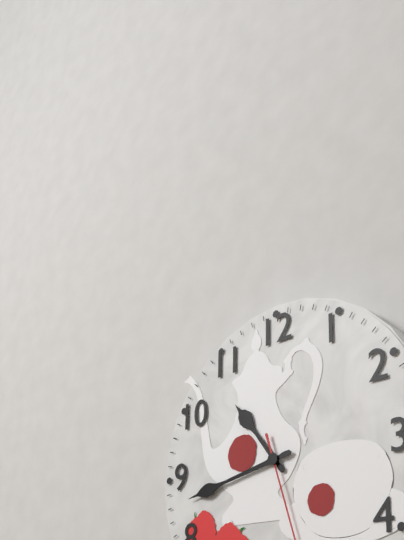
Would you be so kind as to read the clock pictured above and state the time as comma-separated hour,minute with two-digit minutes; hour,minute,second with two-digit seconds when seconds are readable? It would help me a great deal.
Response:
10,43
